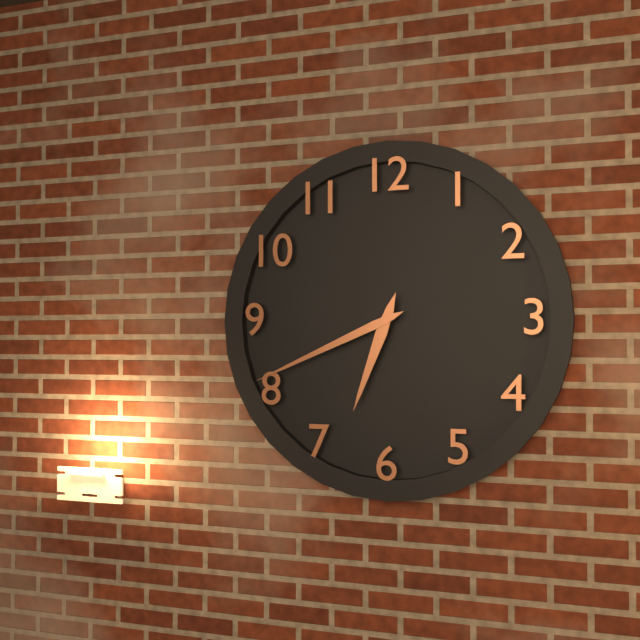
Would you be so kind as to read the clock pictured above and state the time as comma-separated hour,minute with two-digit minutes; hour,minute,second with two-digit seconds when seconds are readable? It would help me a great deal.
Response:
6,41
